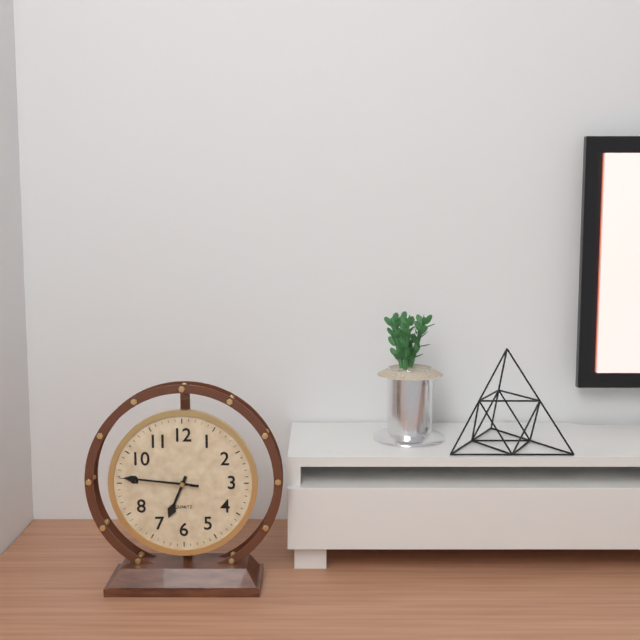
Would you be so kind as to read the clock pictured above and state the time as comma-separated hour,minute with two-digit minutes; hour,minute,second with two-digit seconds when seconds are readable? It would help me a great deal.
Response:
6,46,46
